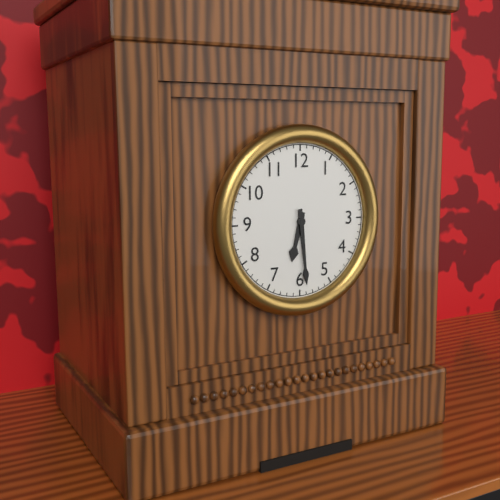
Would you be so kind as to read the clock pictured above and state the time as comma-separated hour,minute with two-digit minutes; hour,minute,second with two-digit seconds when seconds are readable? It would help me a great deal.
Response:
6,29
